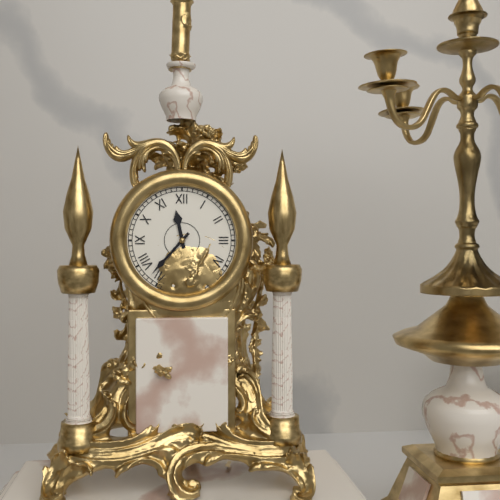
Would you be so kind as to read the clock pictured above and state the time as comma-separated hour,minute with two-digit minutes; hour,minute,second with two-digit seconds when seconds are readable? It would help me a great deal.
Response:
11,37
